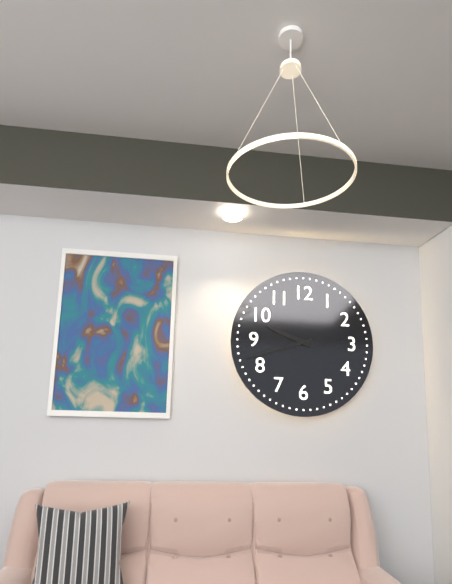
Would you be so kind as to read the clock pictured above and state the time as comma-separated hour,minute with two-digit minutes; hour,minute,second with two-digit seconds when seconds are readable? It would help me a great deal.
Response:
9,42
